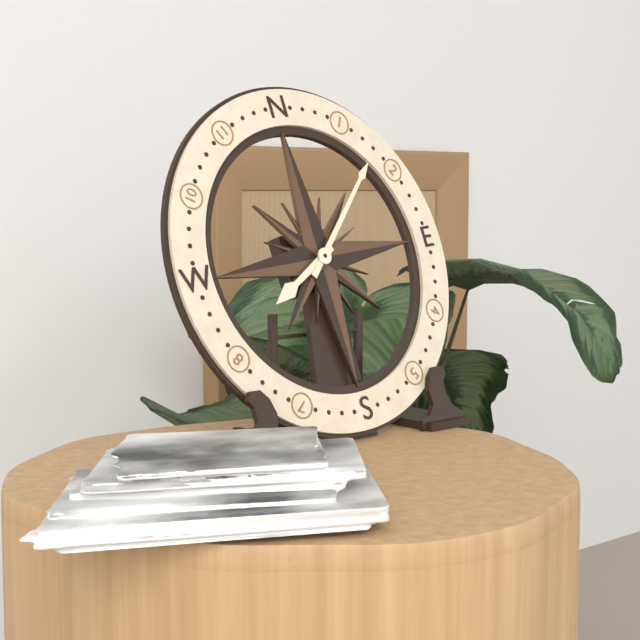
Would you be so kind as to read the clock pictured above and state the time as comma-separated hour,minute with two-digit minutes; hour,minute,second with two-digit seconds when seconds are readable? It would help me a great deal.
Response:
8,08
